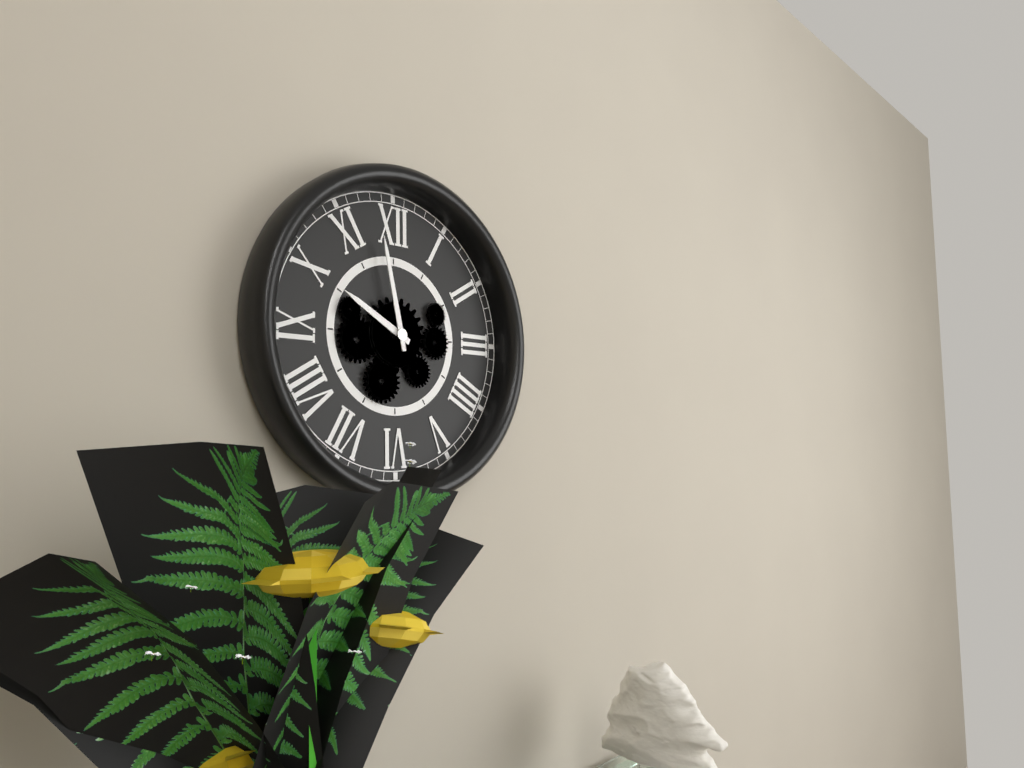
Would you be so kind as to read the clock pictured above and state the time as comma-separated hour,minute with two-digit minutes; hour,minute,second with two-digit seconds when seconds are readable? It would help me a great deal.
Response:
9,58
